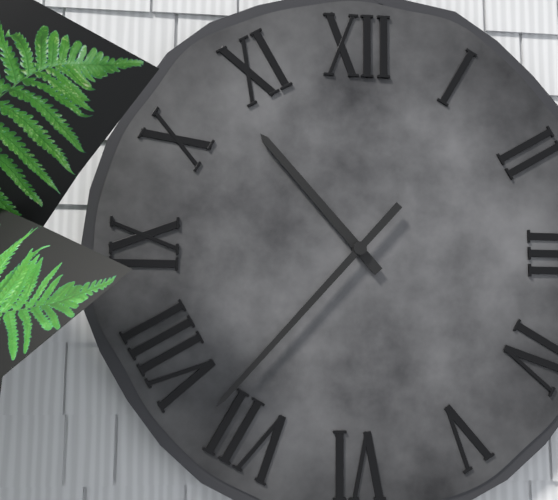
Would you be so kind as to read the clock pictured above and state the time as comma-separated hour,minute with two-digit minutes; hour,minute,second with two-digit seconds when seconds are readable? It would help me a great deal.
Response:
10,37
